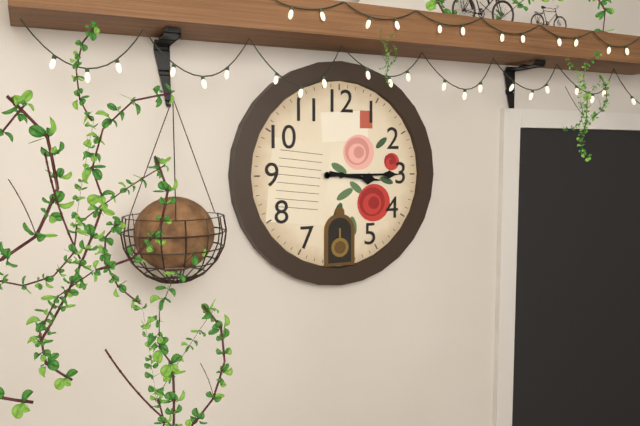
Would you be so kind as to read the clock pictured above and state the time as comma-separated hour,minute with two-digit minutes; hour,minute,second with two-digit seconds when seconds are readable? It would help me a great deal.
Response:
3,15
